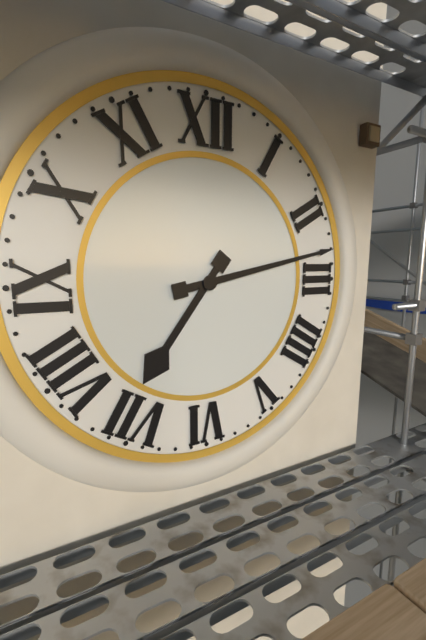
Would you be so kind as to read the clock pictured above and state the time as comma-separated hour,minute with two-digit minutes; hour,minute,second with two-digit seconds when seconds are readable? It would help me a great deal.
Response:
7,13
